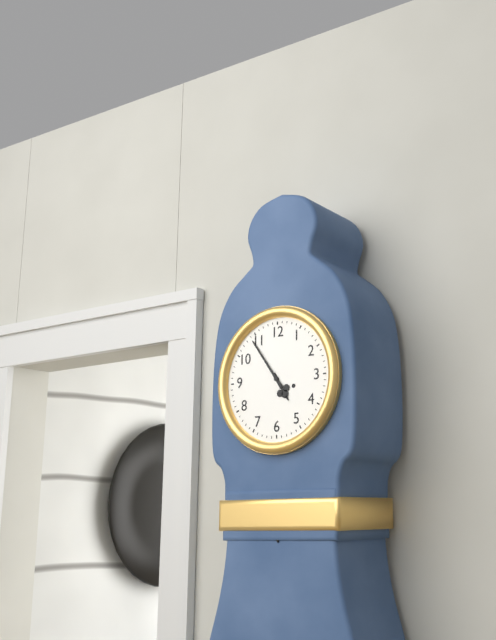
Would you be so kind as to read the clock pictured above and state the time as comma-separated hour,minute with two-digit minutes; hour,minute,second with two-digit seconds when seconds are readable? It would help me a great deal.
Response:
4,54
